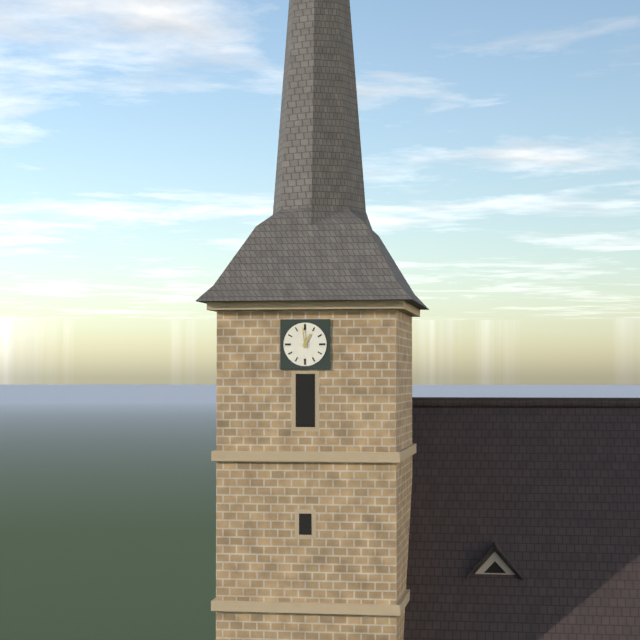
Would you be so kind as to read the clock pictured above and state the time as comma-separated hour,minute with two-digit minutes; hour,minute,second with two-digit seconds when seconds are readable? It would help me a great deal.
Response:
12,59
